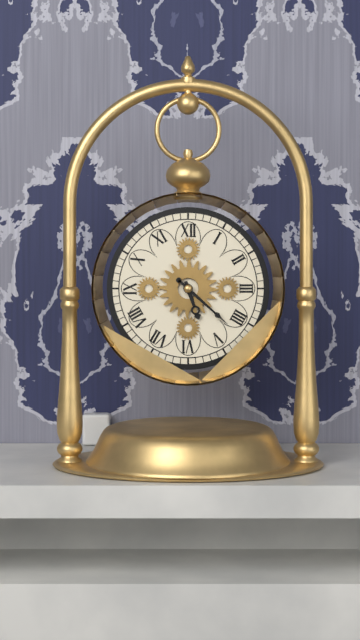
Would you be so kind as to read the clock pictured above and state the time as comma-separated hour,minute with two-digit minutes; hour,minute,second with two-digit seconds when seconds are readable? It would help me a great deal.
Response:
5,22
